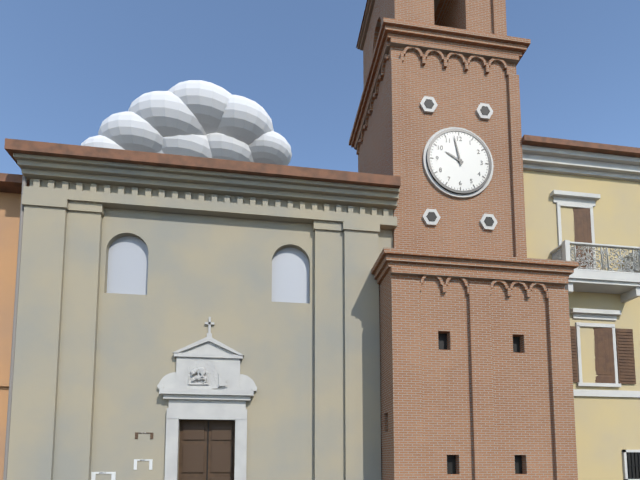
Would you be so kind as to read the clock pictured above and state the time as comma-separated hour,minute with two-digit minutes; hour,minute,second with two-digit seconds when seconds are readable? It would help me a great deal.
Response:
9,58
